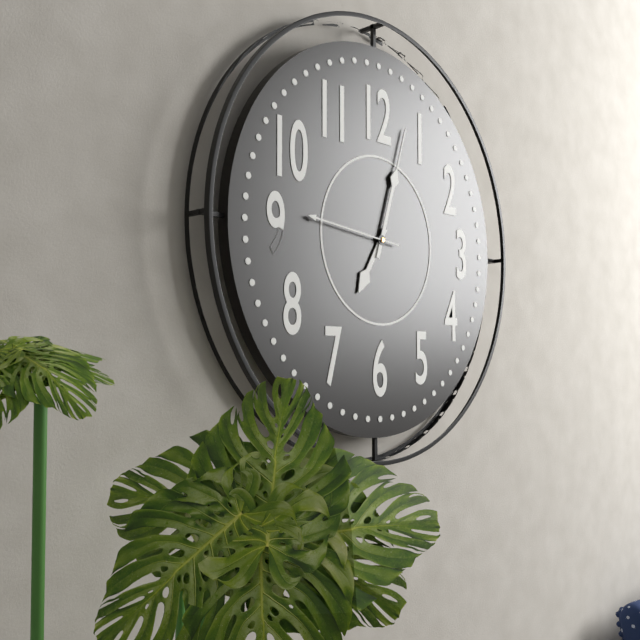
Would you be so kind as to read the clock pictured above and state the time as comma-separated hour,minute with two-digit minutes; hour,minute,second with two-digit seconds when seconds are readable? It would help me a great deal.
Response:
7,03,46
